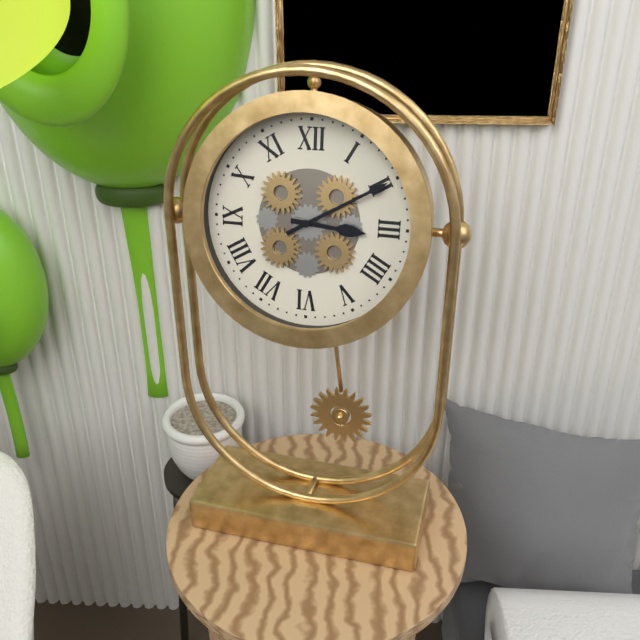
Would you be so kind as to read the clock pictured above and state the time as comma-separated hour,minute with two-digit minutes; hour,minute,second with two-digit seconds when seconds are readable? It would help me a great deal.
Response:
3,10
